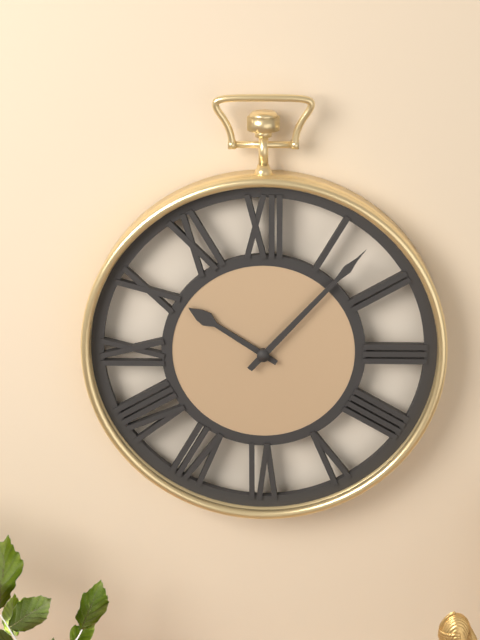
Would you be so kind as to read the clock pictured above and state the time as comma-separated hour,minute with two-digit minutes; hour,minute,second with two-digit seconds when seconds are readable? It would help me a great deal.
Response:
10,07
